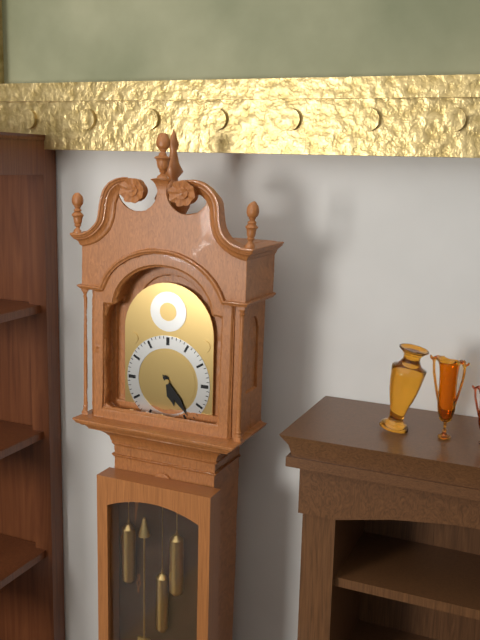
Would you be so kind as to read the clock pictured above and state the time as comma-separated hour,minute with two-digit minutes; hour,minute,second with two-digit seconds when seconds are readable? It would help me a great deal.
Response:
5,24
